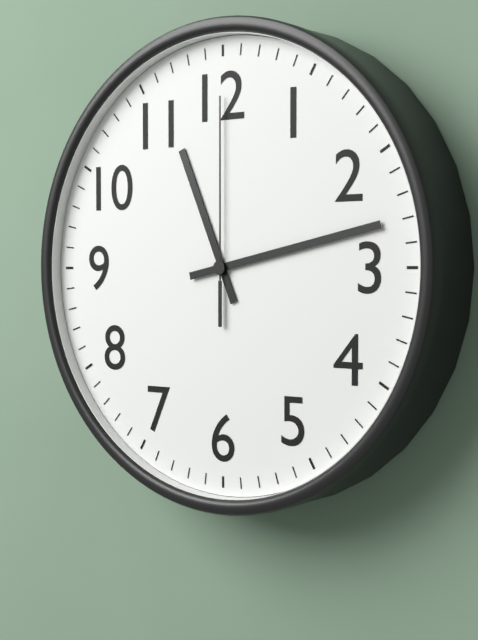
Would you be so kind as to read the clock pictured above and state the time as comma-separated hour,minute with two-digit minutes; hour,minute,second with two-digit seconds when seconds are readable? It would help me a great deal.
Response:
11,13,00
